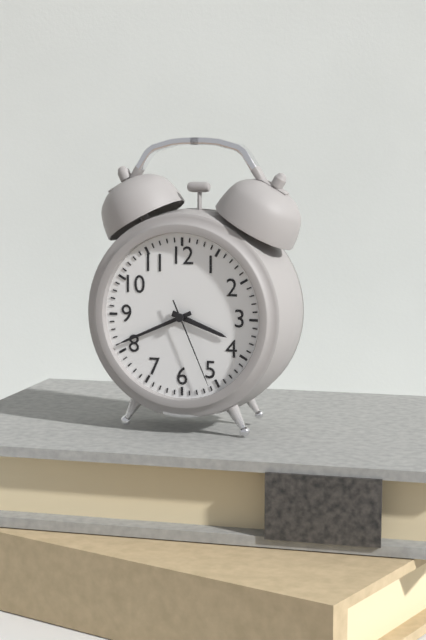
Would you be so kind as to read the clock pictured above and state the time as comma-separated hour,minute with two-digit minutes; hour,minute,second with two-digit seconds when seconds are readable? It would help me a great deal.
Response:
3,41,26
